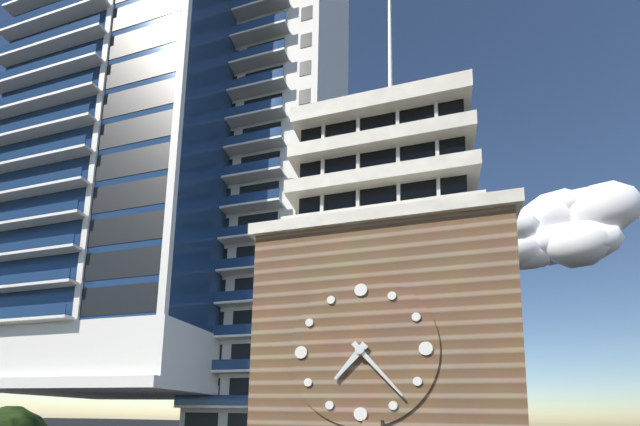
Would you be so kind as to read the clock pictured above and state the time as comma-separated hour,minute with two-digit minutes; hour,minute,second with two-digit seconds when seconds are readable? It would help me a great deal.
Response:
7,23
